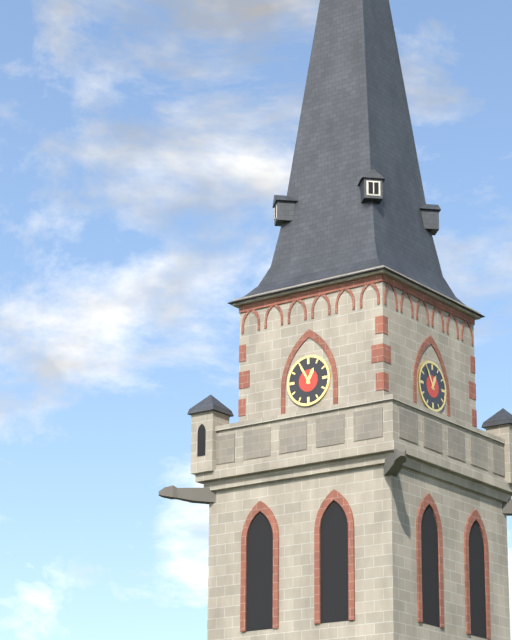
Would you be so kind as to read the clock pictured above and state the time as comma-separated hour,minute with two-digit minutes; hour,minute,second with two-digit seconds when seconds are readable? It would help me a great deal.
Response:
12,55
